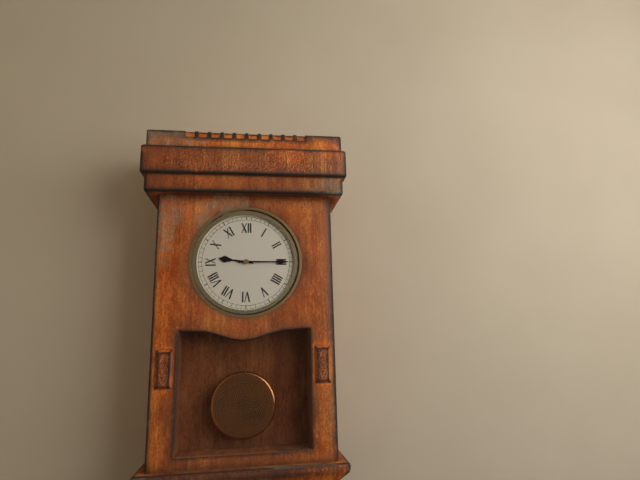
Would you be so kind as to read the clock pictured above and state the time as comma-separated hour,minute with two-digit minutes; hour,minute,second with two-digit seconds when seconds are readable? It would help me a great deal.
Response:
9,15
